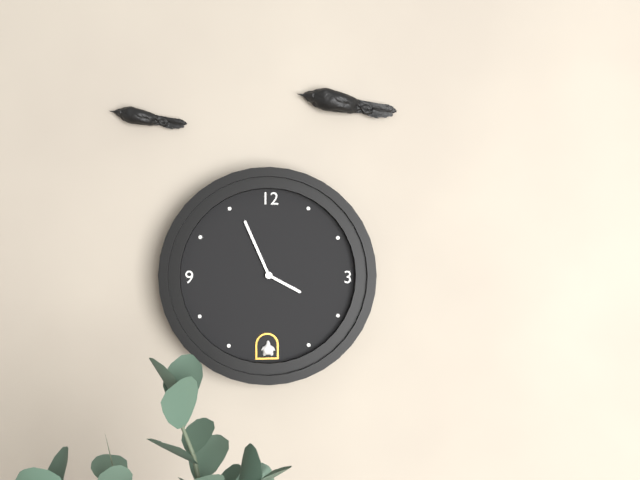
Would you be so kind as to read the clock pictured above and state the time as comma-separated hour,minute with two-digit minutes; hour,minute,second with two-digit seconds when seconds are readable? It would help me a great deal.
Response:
3,56
